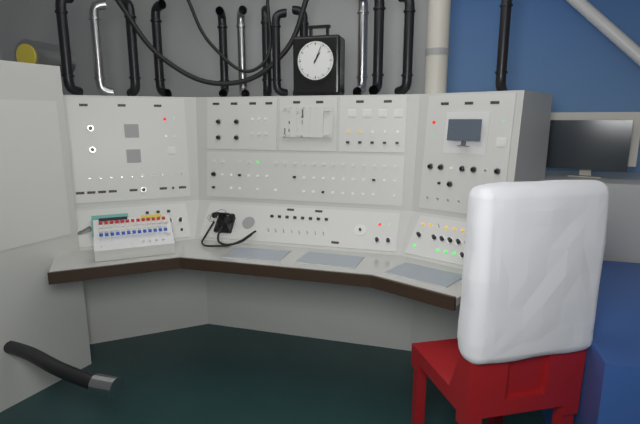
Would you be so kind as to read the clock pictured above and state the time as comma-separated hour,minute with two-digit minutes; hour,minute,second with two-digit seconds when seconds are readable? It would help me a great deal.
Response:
1,04
